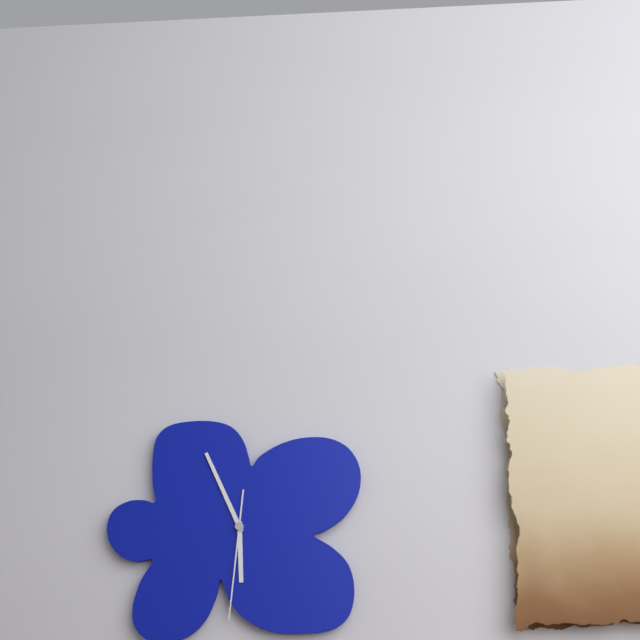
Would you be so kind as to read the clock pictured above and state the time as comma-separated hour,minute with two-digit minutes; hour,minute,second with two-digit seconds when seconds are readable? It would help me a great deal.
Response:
5,56,31
